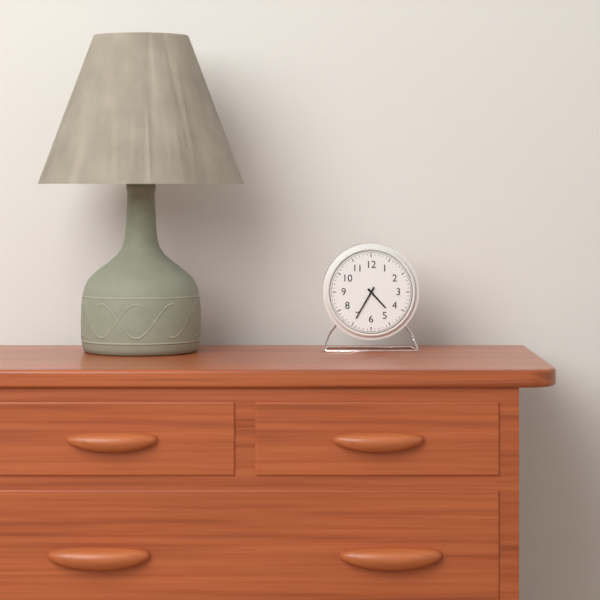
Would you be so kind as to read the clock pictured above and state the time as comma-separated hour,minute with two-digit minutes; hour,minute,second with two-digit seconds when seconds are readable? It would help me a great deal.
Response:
4,35
